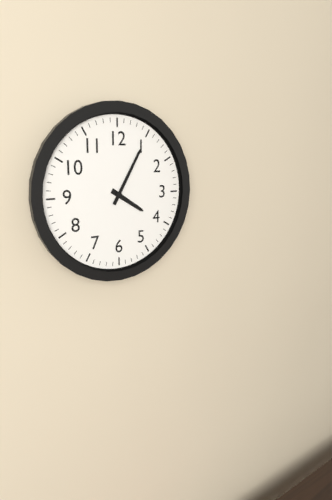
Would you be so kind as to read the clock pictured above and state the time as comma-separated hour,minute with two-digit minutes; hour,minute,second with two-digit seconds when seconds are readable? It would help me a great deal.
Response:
4,05
